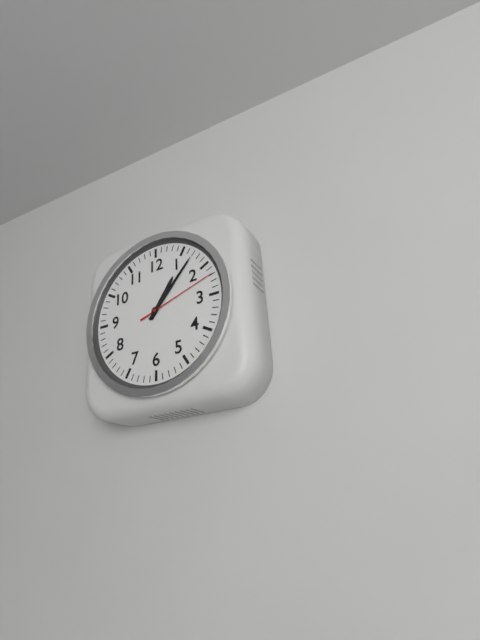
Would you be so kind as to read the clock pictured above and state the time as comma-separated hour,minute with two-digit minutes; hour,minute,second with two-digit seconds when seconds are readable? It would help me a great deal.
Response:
1,07,12
